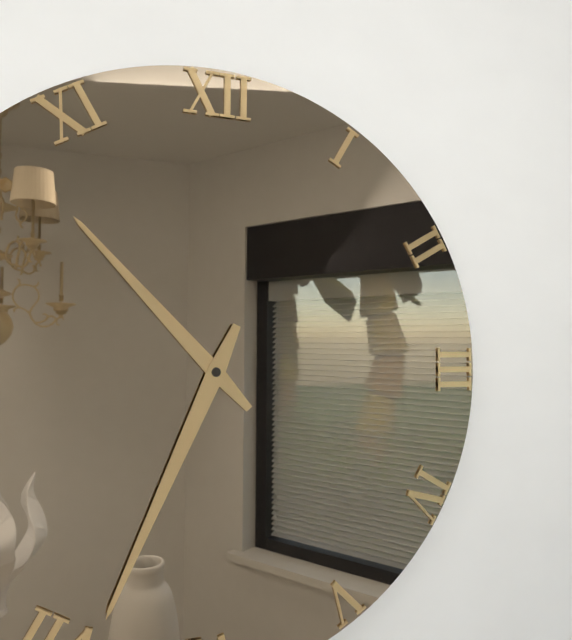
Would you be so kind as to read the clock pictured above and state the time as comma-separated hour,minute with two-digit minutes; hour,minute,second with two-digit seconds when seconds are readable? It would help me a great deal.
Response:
10,34
